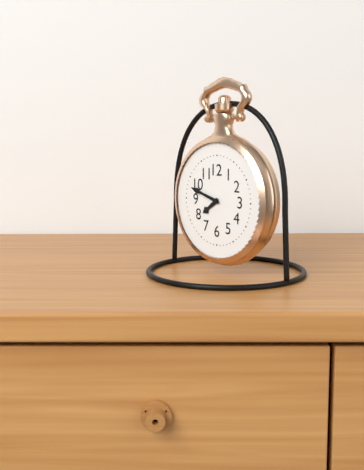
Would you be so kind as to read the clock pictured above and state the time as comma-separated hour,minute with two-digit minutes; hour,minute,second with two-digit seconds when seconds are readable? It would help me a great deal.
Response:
7,48
